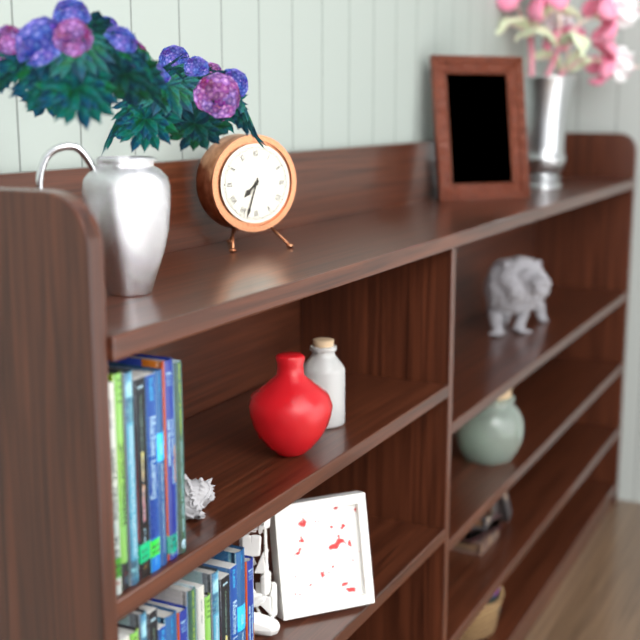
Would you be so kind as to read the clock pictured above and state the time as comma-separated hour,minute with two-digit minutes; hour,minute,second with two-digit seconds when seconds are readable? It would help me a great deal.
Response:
7,33
